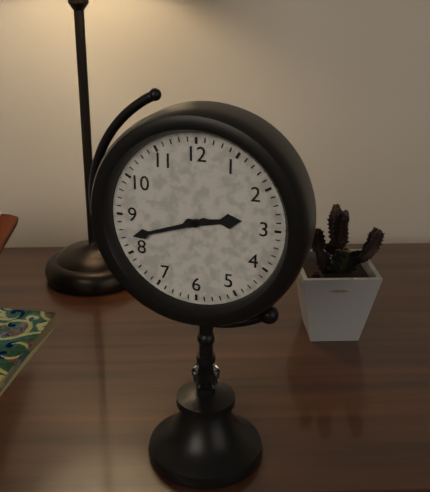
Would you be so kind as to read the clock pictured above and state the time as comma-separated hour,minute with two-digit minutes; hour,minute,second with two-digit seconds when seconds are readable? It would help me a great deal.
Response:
2,42
